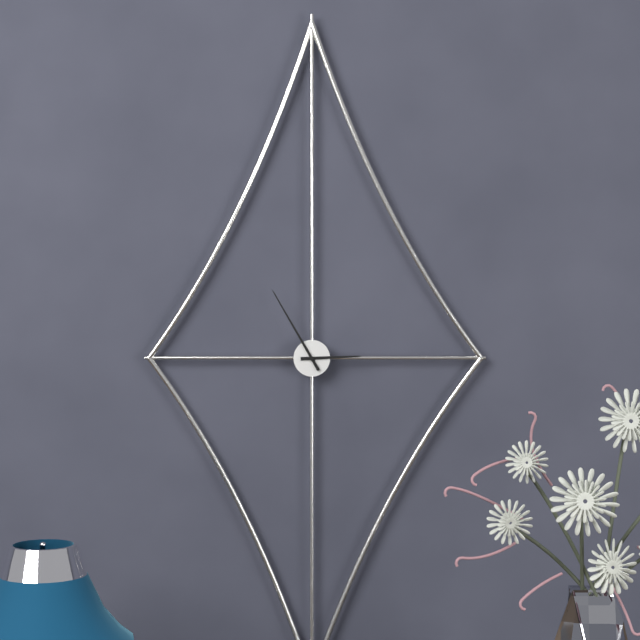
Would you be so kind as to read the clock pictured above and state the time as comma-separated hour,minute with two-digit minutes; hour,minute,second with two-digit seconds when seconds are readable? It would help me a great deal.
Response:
2,55
